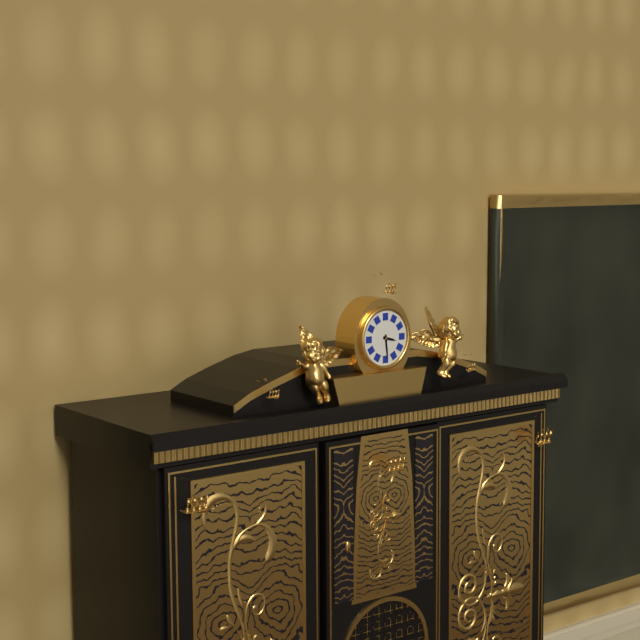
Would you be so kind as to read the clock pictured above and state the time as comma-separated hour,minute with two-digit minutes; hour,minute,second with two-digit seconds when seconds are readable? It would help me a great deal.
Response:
3,29
